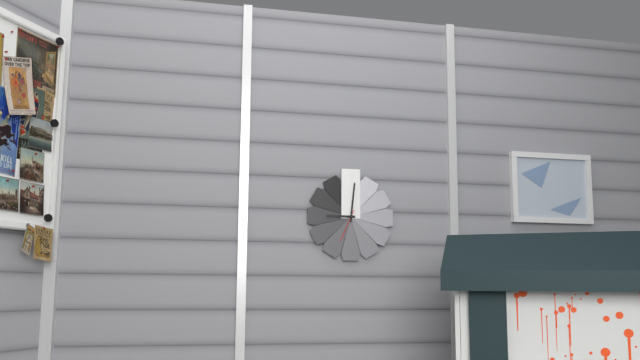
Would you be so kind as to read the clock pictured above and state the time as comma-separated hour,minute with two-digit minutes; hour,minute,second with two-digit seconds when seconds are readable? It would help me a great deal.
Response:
9,01
